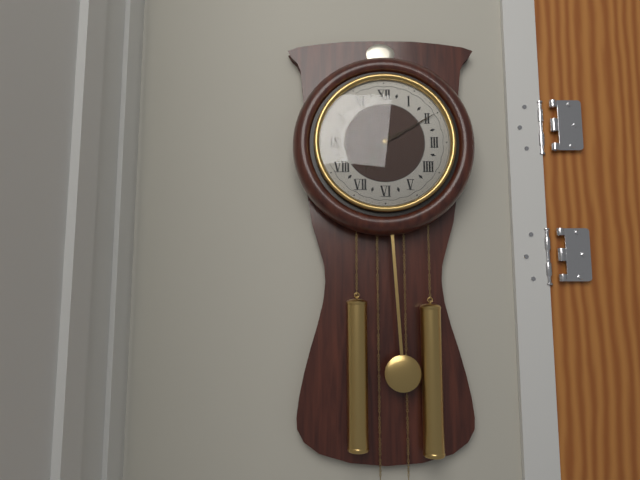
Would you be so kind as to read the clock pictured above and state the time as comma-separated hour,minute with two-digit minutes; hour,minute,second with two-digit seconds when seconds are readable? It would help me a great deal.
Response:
7,10
